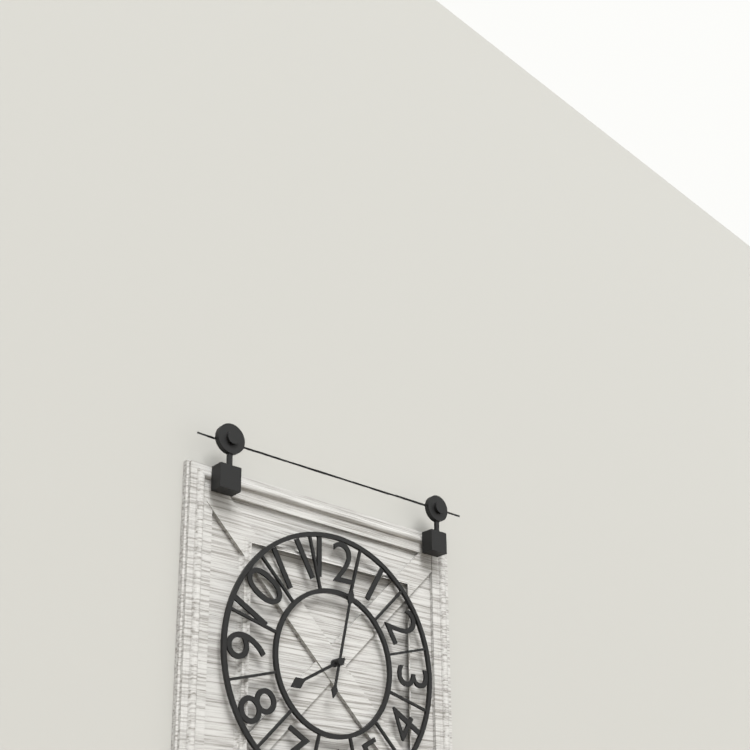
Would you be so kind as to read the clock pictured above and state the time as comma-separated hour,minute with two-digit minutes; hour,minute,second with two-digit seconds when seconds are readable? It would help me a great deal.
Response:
8,02
